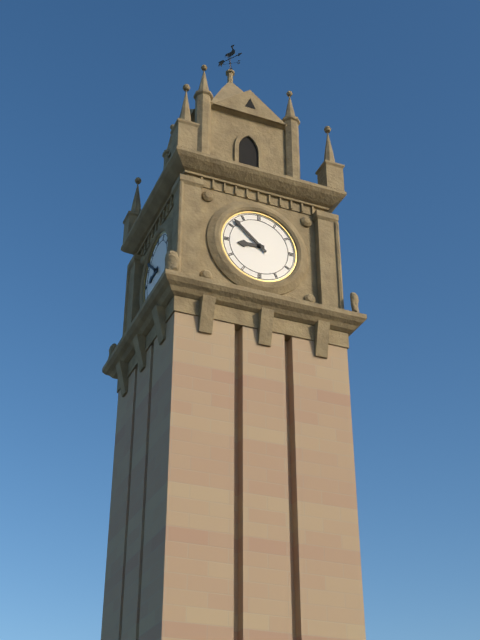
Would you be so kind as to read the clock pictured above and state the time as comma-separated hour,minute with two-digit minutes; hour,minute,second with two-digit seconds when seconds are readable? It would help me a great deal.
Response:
8,52
